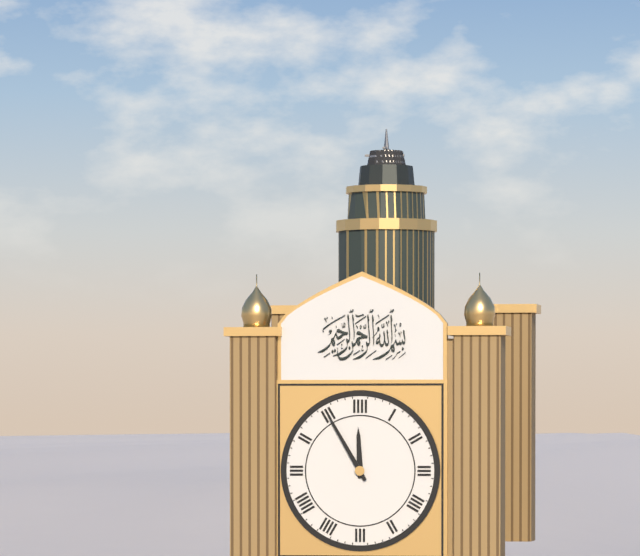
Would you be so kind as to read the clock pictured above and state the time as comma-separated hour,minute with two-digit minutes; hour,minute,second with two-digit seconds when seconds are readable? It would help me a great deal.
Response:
11,55
